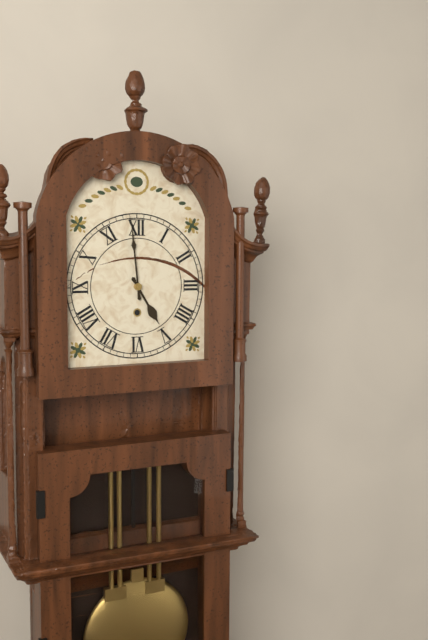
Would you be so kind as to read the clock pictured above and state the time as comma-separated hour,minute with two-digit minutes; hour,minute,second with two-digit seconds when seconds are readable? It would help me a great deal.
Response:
4,59
